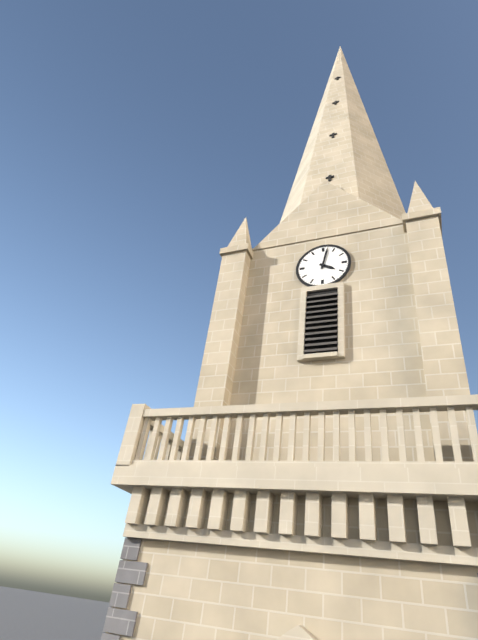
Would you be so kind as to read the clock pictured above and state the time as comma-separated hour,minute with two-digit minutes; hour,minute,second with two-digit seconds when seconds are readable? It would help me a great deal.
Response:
4,02
